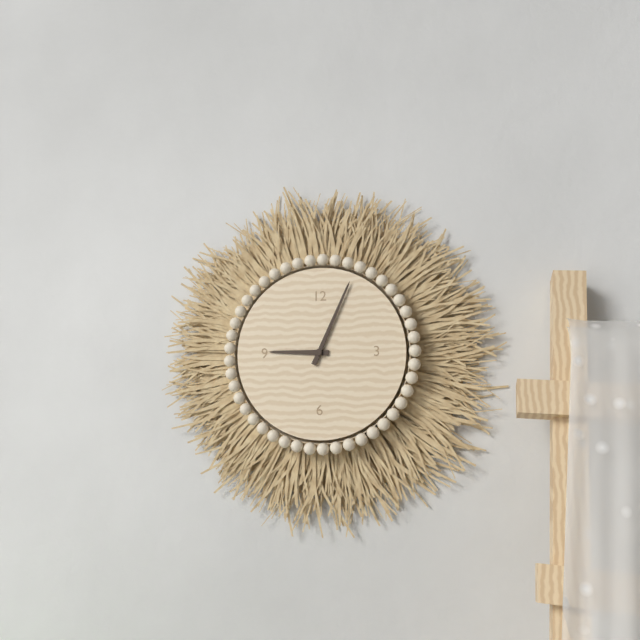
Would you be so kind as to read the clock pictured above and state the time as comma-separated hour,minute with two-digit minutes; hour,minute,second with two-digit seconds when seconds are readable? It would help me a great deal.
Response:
9,04
